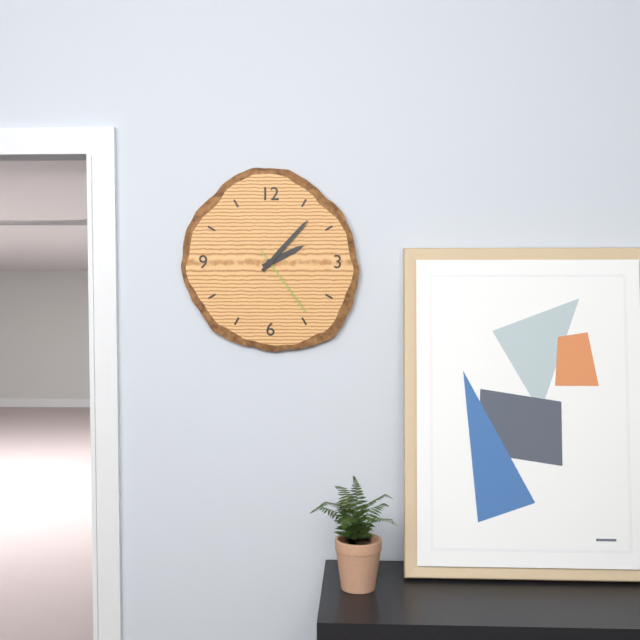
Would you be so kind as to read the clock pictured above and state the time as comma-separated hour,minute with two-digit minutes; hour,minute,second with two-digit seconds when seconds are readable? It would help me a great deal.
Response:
2,07,24
